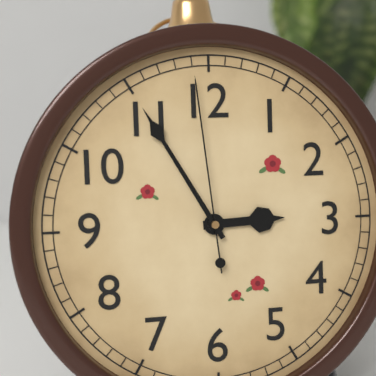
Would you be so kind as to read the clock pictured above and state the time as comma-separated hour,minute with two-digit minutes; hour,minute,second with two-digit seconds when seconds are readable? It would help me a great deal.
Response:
2,55,59
